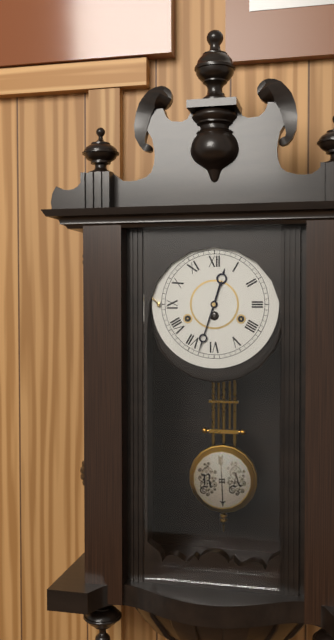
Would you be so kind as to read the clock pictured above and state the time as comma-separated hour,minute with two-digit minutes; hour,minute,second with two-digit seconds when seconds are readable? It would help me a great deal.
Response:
12,33
